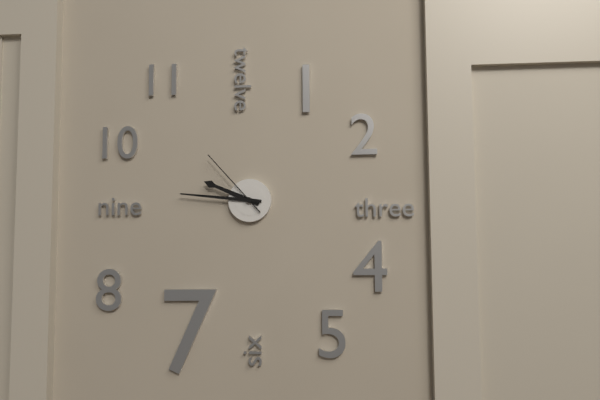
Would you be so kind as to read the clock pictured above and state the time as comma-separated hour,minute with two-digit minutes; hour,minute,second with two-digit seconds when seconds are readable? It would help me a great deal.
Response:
9,46,53
